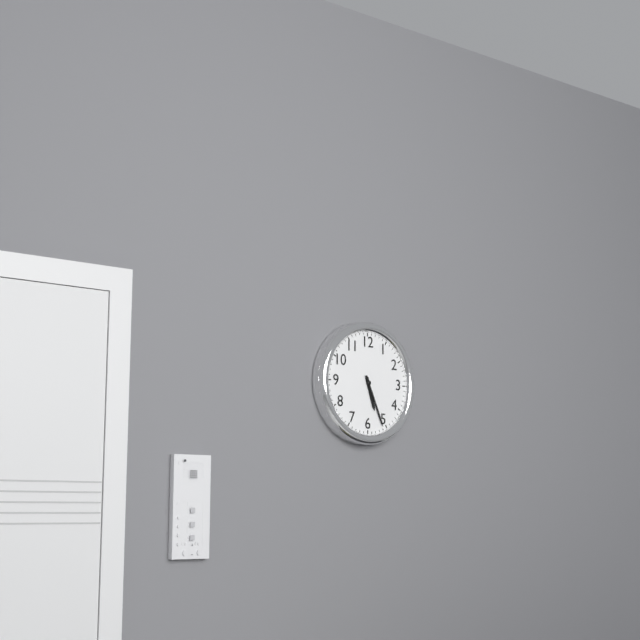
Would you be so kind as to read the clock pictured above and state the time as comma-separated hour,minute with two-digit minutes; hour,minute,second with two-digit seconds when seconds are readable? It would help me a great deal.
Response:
5,26
